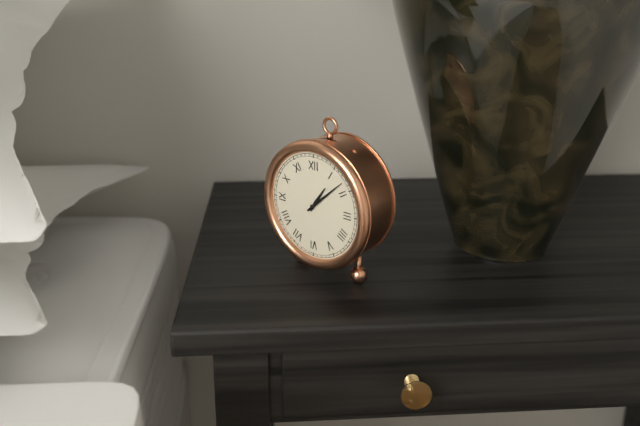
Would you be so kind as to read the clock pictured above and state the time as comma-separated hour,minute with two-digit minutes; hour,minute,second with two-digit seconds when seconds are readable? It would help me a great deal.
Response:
1,08
